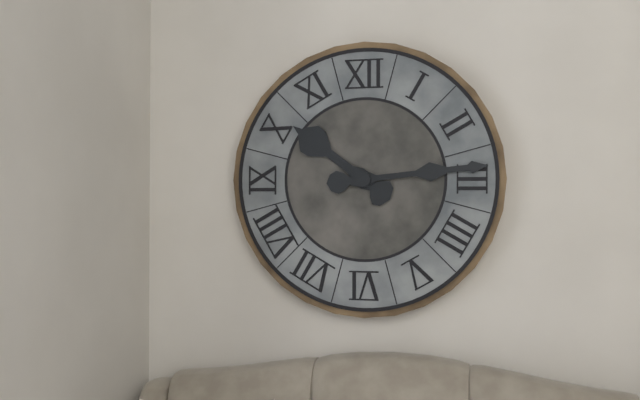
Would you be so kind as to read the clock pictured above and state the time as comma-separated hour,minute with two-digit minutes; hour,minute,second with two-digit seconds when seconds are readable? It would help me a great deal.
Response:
10,14
